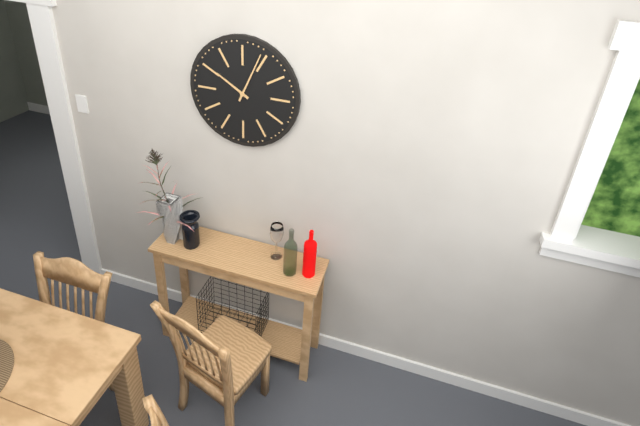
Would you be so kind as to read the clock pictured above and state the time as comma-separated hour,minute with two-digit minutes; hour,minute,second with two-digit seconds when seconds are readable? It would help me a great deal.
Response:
10,04
